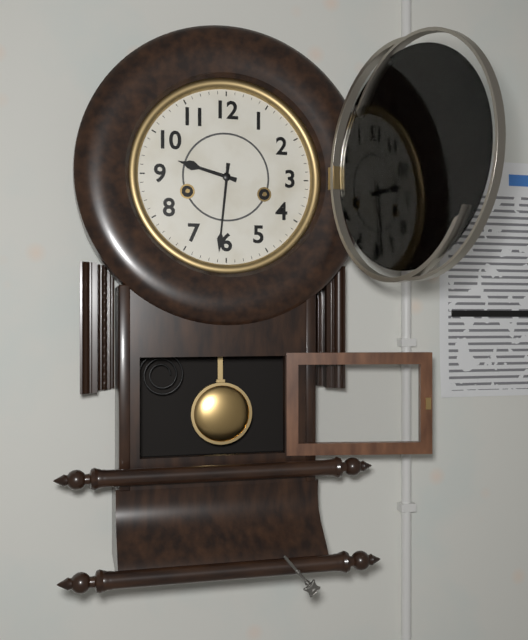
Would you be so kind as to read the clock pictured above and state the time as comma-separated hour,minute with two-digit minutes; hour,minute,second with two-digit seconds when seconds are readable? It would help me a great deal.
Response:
9,31
